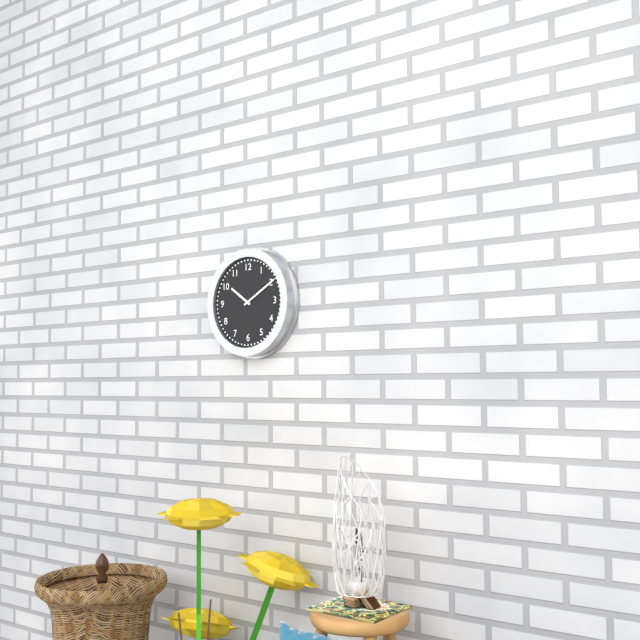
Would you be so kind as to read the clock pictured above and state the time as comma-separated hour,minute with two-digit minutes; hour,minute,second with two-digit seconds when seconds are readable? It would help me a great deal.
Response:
10,10
